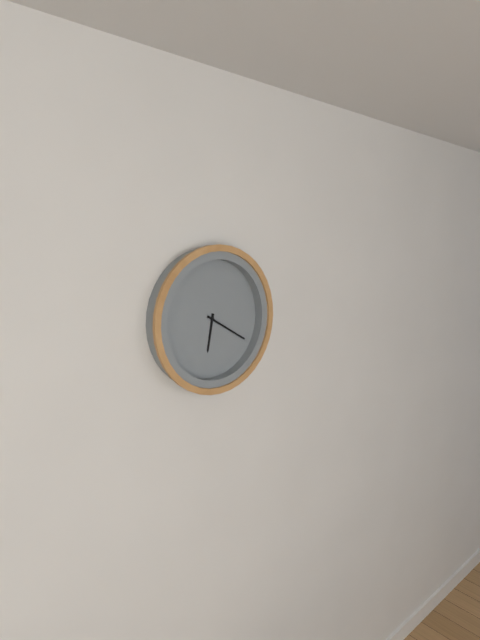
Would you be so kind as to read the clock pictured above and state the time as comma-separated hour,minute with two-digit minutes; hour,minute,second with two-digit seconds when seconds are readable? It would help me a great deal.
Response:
6,20
